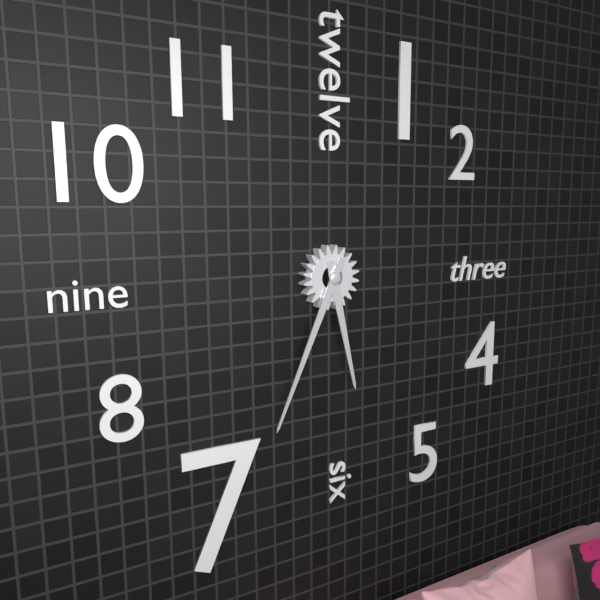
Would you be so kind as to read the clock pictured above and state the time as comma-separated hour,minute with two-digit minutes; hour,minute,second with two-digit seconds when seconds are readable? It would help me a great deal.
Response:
5,34
